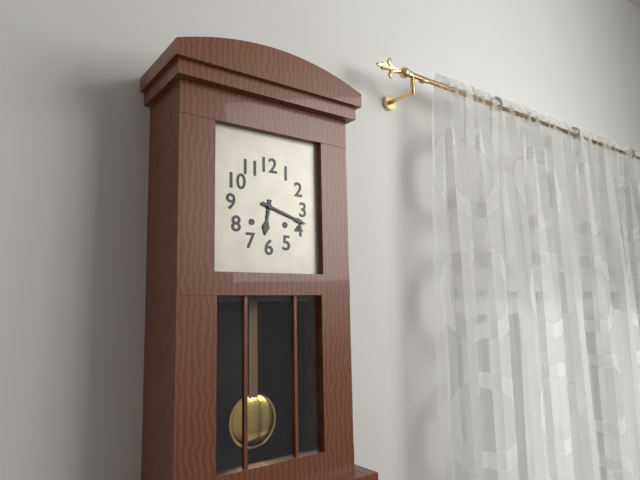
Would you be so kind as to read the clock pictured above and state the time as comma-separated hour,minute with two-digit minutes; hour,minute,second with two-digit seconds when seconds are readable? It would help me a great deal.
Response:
6,18
